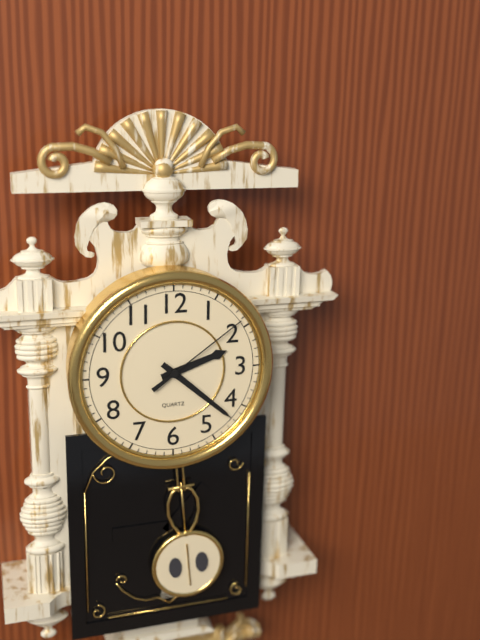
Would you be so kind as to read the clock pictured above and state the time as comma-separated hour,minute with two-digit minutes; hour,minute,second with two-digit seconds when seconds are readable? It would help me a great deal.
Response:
2,22,09
